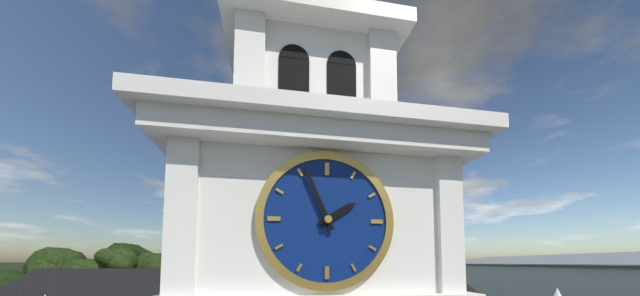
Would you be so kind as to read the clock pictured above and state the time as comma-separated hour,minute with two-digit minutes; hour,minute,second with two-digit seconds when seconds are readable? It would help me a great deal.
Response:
1,56
